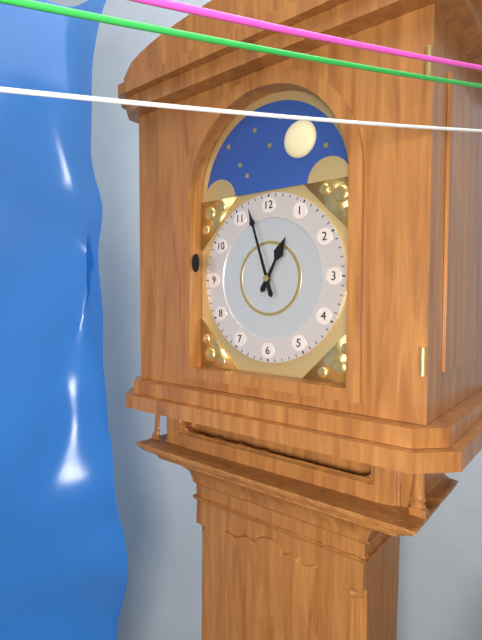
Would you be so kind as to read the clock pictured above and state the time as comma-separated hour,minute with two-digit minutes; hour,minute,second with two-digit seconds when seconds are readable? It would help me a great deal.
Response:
12,57
